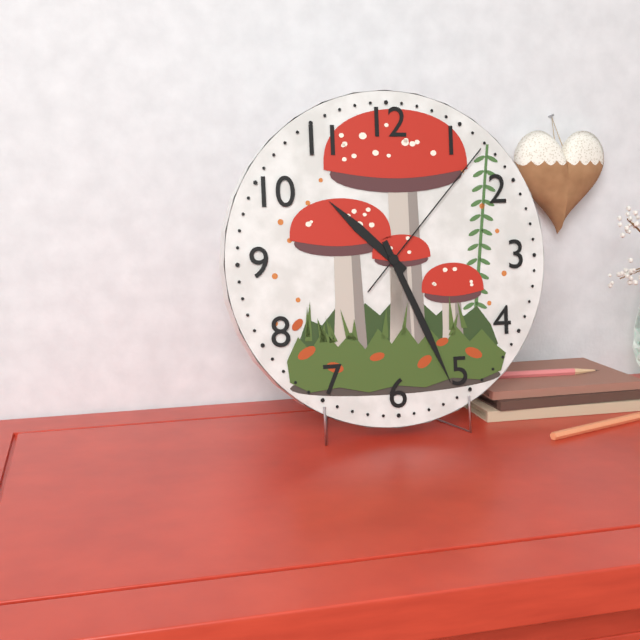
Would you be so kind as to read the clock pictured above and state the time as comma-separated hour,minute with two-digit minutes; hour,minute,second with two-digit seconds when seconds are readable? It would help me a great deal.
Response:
10,26,07
